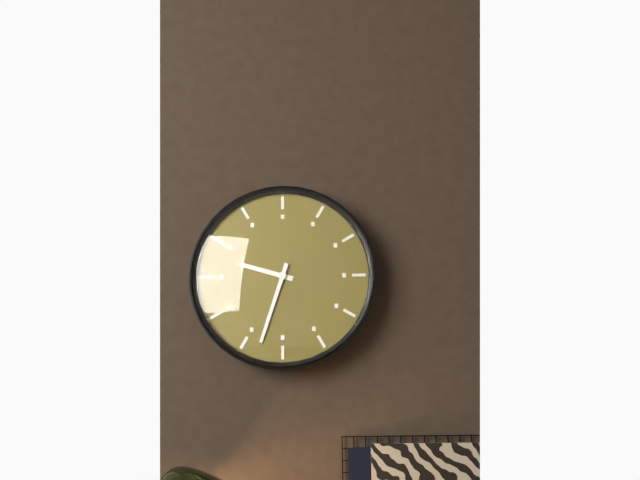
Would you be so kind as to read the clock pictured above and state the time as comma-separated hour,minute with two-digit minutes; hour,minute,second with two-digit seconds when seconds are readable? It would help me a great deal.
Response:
9,33
